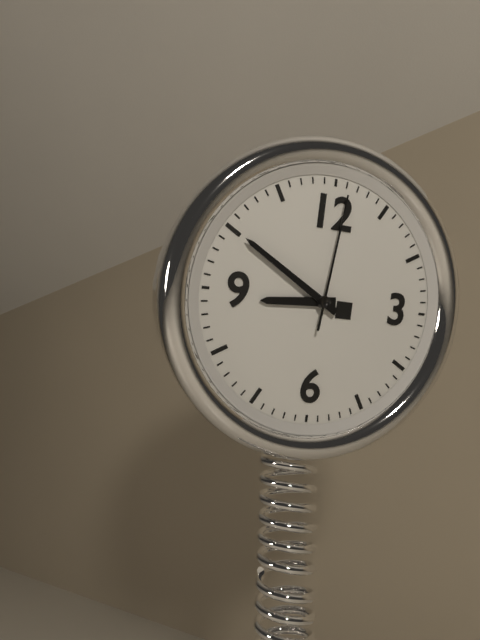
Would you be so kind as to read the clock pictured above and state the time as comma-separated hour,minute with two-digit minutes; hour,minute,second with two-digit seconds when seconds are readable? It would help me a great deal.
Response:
8,50,01
